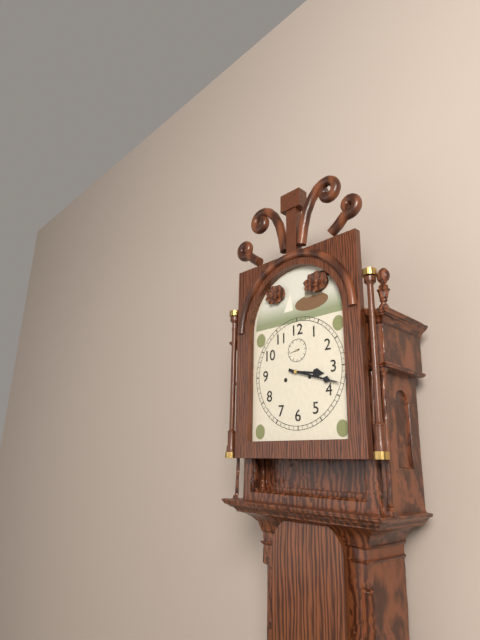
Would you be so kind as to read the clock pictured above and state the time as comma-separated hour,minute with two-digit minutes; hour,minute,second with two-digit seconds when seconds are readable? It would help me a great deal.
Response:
3,18
